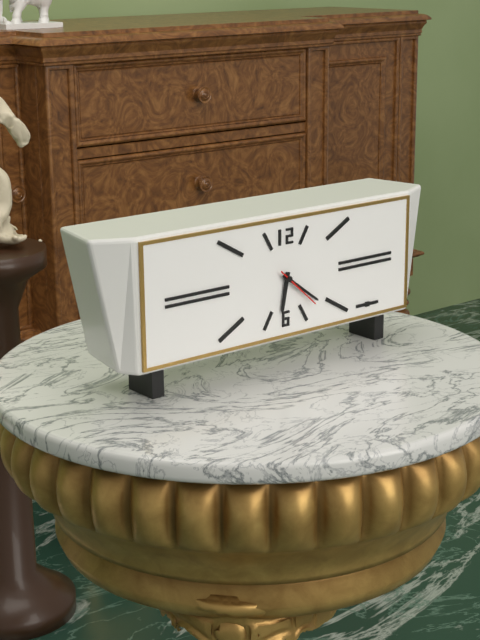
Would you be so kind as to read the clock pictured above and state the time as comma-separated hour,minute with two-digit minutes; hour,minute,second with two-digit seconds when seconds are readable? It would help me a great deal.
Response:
6,21,22
